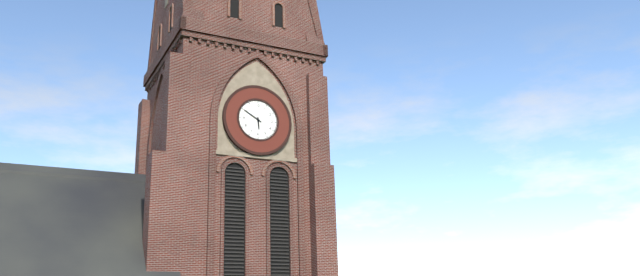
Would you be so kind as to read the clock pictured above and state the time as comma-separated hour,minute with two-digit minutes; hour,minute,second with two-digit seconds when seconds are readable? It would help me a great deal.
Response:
5,50
